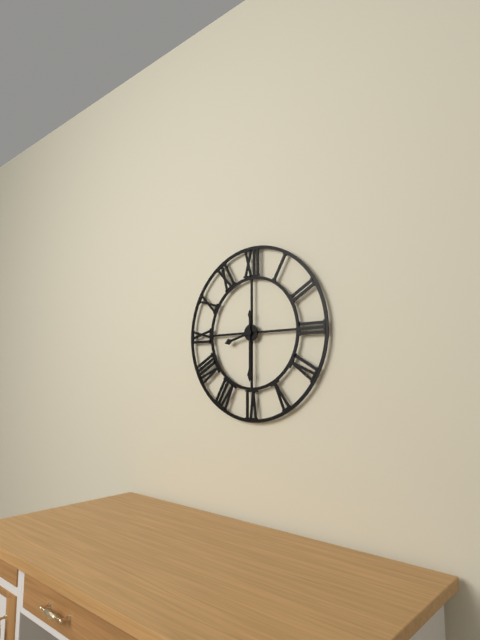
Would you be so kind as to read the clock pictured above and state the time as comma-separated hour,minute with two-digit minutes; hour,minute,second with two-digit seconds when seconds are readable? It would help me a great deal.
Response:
8,30
